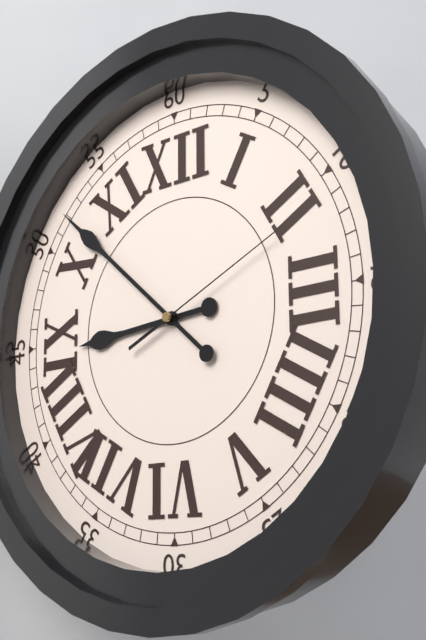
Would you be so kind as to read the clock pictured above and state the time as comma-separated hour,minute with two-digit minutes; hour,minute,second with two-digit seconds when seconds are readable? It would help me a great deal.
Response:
8,52,11
